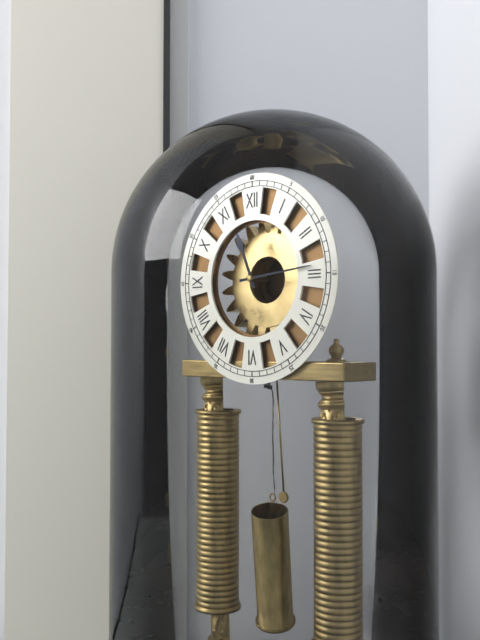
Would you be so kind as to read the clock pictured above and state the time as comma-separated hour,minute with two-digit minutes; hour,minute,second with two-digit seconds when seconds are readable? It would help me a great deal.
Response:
11,14
